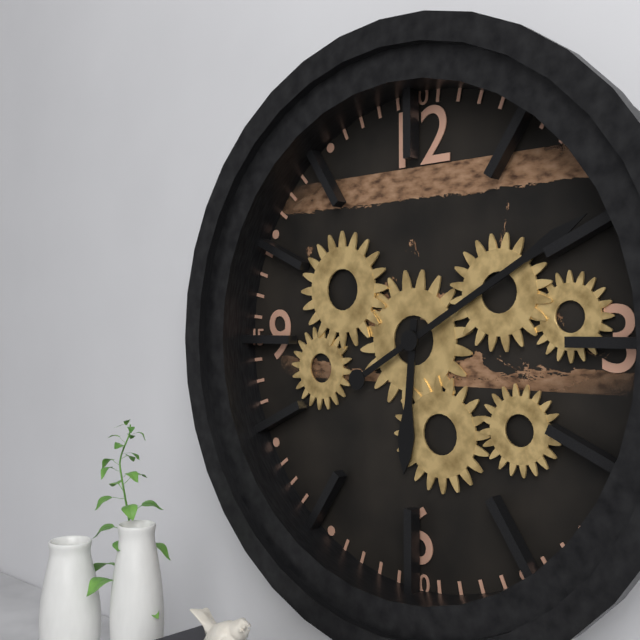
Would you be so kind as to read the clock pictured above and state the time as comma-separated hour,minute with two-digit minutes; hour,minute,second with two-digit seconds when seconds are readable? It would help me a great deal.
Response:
6,10
